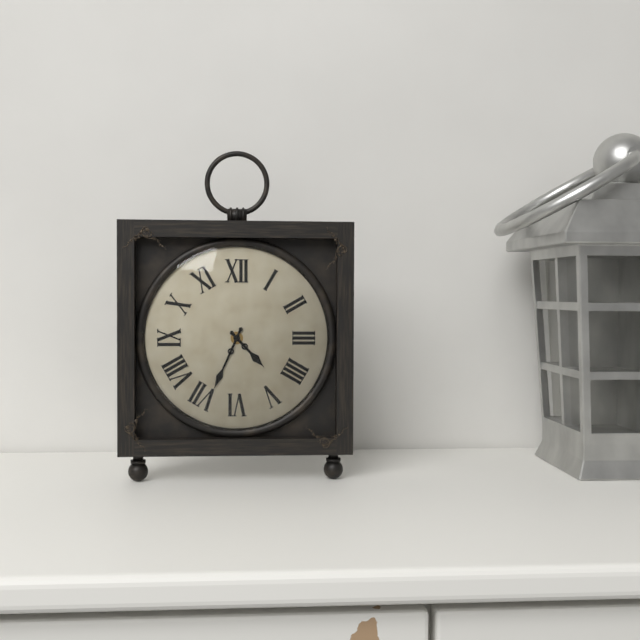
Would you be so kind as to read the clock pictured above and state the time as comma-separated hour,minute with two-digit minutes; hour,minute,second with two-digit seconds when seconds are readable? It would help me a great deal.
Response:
4,34
